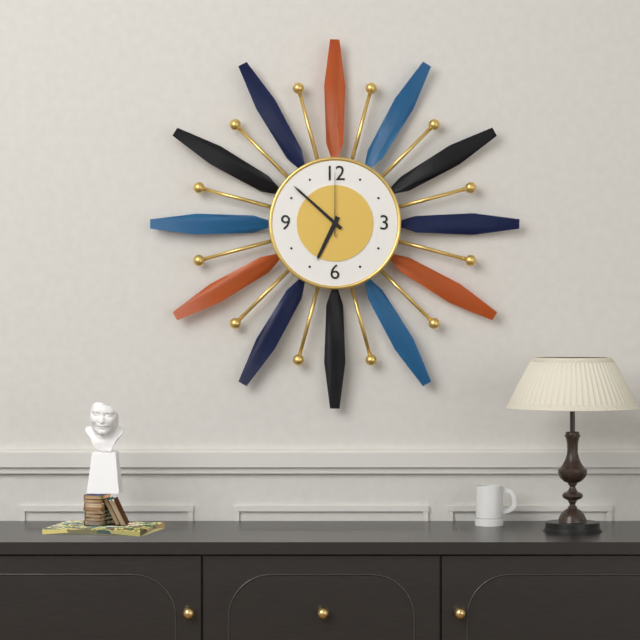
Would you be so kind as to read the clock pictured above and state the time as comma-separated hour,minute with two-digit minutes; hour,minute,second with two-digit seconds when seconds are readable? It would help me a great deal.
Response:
6,52,00
